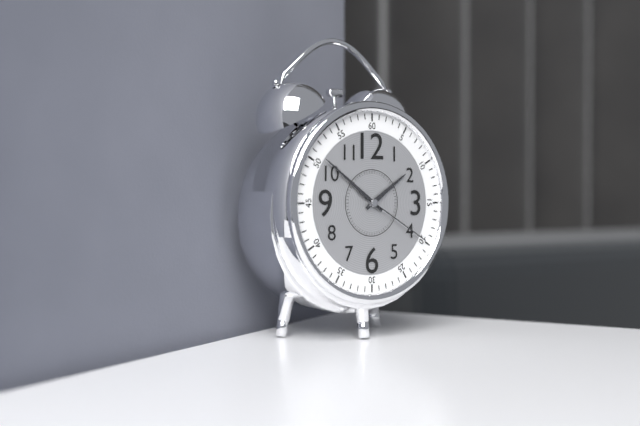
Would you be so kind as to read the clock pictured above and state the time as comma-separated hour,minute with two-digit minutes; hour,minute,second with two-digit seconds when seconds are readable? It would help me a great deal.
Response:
1,51,20
